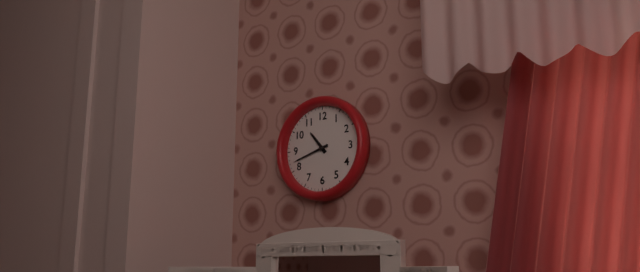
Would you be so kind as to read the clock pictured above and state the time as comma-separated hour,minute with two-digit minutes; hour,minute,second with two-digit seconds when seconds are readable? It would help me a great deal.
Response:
10,42
